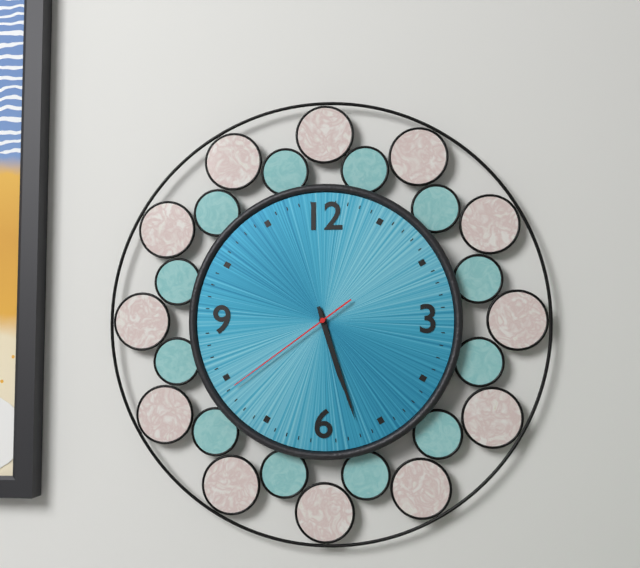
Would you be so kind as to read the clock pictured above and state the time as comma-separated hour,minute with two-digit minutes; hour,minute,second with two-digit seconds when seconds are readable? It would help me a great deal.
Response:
5,27,39
